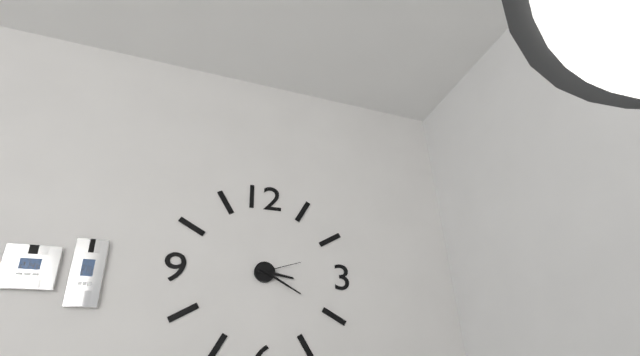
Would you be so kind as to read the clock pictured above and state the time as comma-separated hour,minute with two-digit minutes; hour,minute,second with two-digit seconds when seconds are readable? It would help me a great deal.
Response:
3,20
